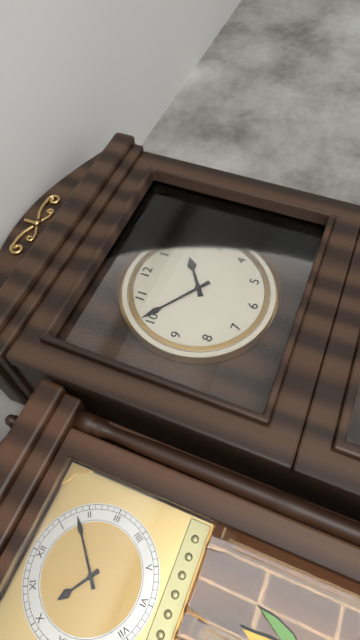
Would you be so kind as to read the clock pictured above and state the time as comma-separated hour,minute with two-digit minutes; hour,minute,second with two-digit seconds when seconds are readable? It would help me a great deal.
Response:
1,51
